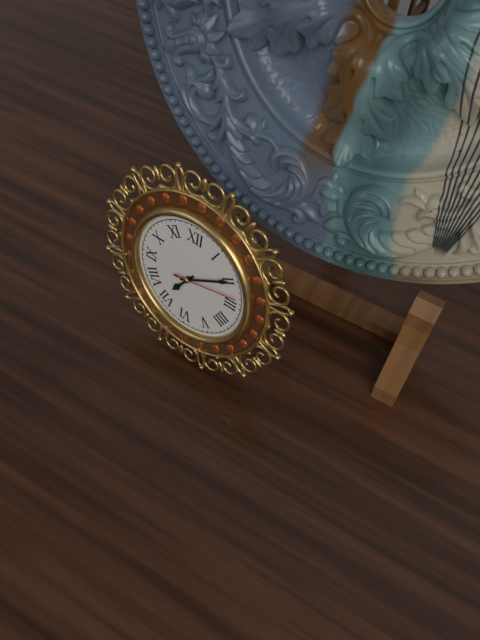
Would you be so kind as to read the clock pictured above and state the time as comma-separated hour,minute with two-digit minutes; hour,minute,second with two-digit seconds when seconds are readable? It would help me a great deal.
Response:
7,10,13
